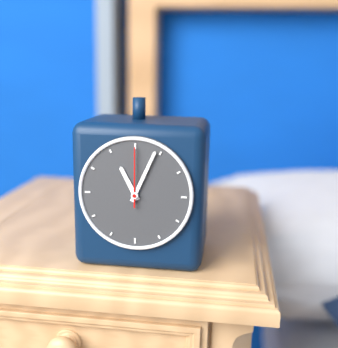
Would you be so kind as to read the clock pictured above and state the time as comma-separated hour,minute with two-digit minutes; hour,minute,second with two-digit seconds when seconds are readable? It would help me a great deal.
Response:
11,04,00
